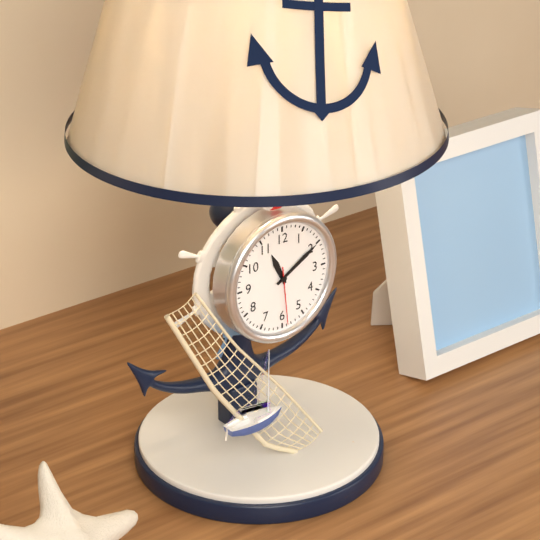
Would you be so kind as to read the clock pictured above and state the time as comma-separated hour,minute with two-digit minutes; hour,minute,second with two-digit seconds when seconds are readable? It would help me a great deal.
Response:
11,10,29
